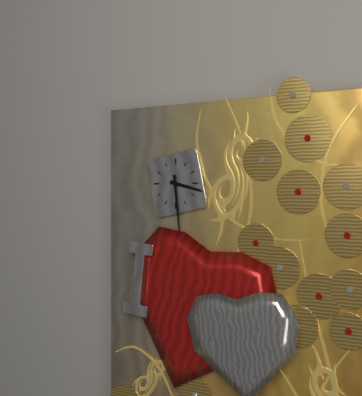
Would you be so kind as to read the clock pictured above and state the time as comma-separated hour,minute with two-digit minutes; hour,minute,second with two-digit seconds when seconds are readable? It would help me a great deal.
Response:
3,29
